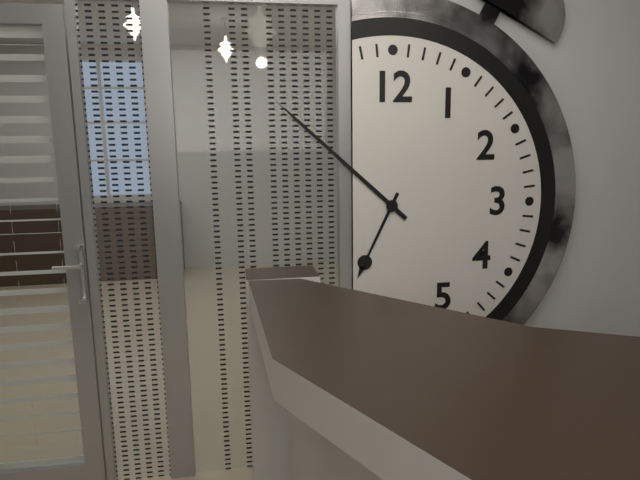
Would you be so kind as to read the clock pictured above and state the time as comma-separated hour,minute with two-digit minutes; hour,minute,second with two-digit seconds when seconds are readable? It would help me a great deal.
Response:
6,52
